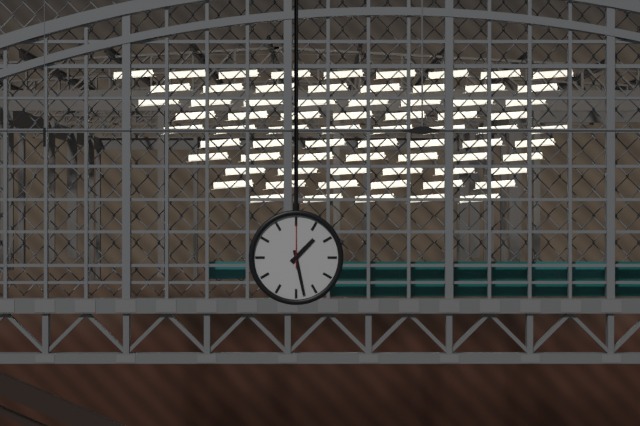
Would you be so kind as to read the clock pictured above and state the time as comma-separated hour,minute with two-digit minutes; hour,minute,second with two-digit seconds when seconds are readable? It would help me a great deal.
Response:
1,28
